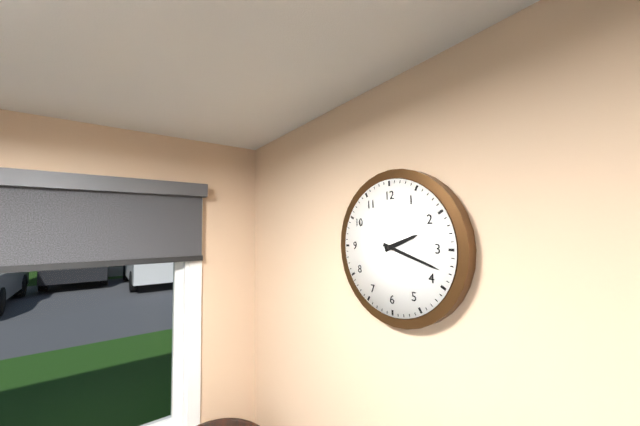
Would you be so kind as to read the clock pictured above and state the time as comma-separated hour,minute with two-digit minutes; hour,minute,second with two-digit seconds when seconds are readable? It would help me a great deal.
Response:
2,18
